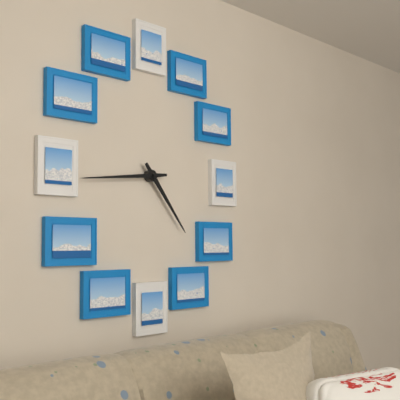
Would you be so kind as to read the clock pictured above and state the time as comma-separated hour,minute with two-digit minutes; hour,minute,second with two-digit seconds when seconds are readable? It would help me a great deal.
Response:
4,44
